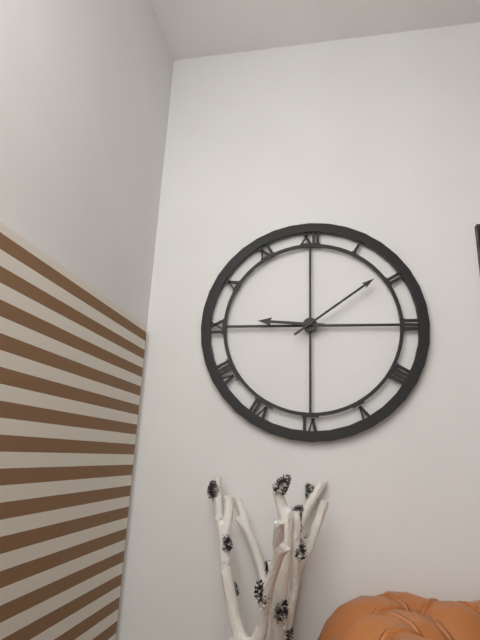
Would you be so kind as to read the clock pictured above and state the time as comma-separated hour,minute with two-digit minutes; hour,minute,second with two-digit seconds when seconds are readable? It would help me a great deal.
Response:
9,09
